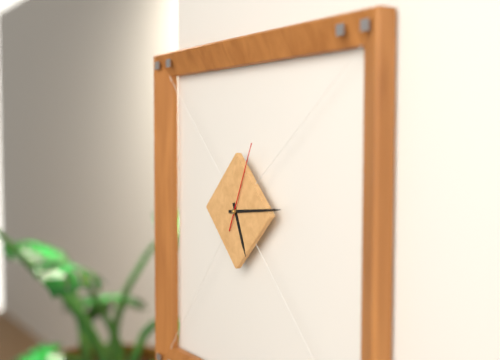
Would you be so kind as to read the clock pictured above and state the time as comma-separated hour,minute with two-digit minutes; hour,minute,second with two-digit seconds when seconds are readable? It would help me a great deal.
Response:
5,14,04
